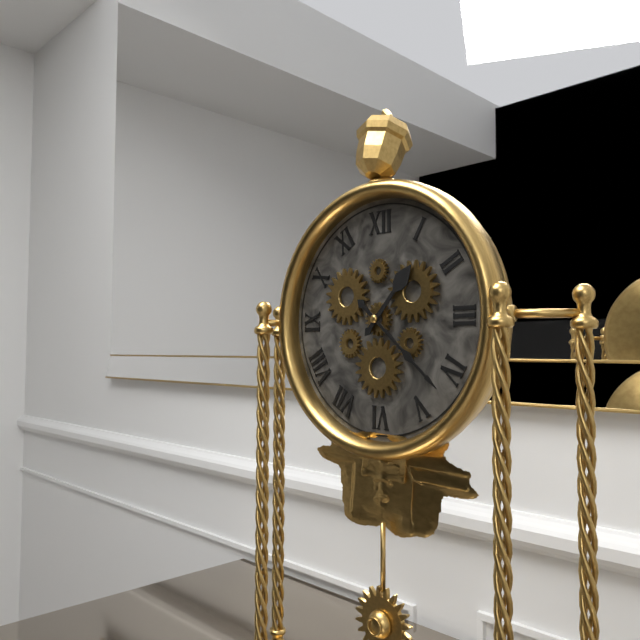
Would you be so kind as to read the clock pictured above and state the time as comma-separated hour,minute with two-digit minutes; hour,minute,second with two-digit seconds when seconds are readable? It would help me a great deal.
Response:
1,22
